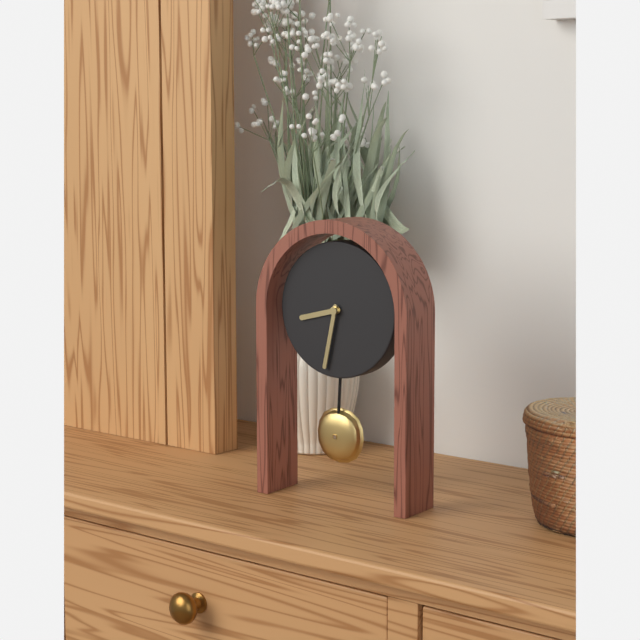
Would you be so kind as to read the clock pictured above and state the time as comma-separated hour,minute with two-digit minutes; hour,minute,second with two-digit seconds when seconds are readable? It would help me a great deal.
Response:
8,32
